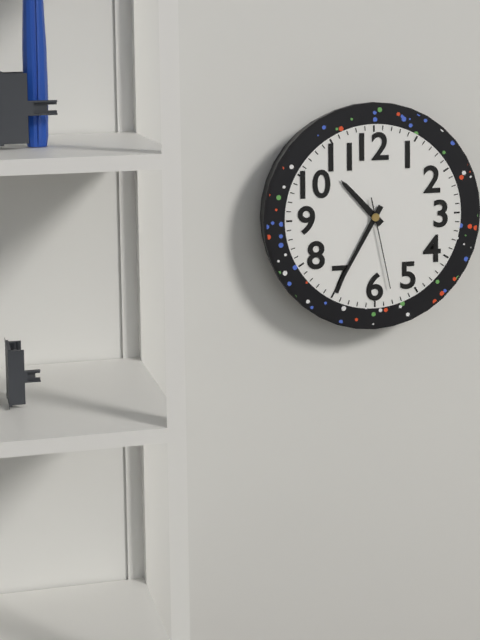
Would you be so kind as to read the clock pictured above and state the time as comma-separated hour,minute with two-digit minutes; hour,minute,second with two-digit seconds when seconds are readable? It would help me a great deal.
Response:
10,35,28
